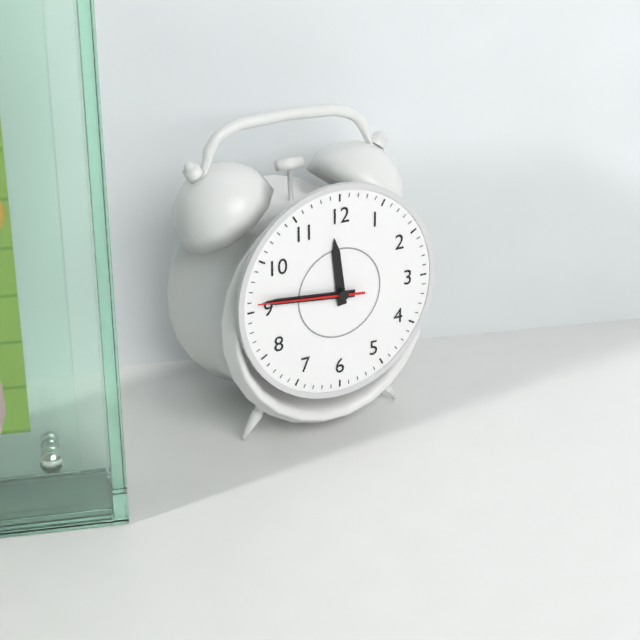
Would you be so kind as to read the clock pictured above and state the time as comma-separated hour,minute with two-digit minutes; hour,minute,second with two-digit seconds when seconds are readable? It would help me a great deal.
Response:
11,46,46
